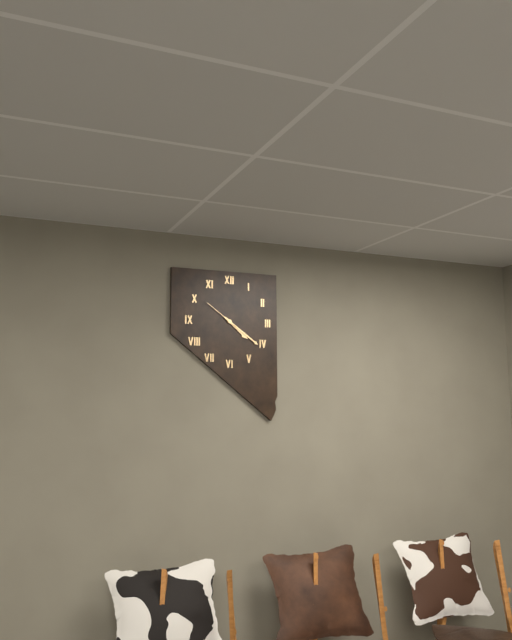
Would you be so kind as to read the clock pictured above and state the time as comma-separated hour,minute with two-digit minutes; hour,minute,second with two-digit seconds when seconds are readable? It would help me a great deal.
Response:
4,21
